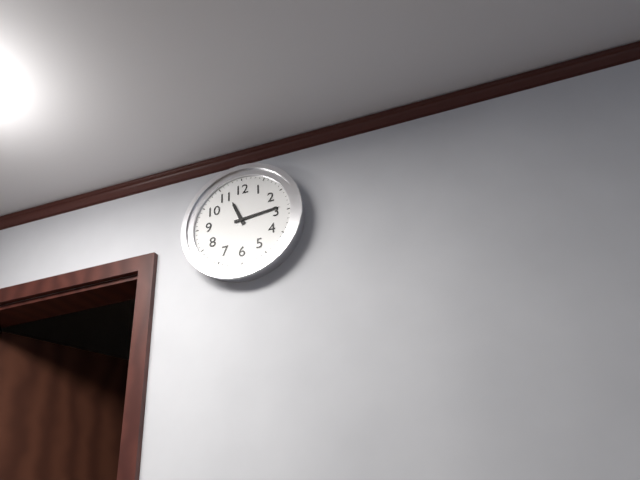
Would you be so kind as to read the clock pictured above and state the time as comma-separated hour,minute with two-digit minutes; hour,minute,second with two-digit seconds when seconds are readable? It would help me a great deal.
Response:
11,14
